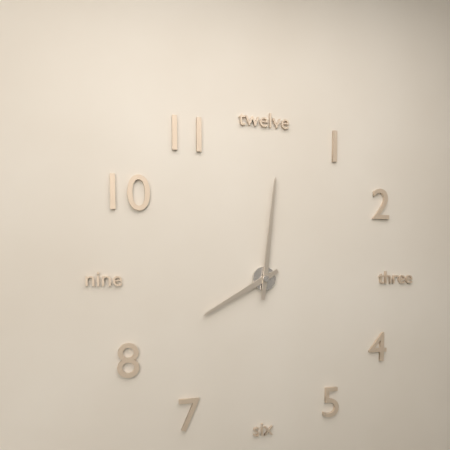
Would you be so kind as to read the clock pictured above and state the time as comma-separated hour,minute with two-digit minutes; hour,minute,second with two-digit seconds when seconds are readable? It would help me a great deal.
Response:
8,01
